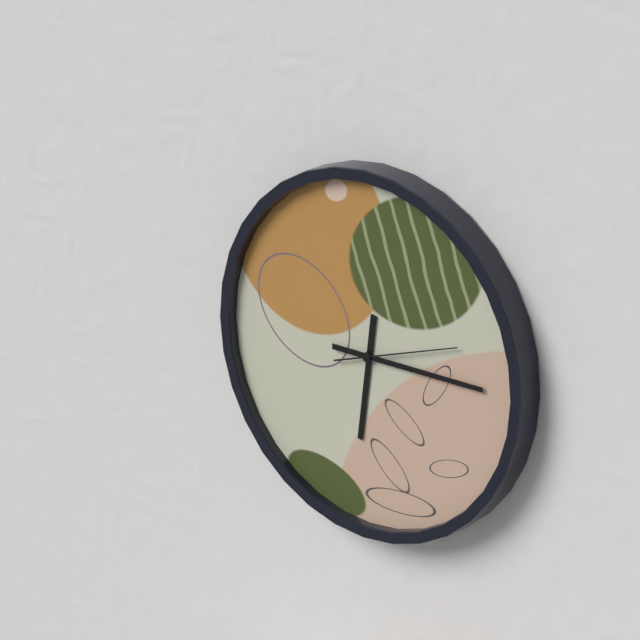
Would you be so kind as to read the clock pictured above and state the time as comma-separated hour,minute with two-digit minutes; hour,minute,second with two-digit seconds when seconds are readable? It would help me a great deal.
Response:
6,15,12
